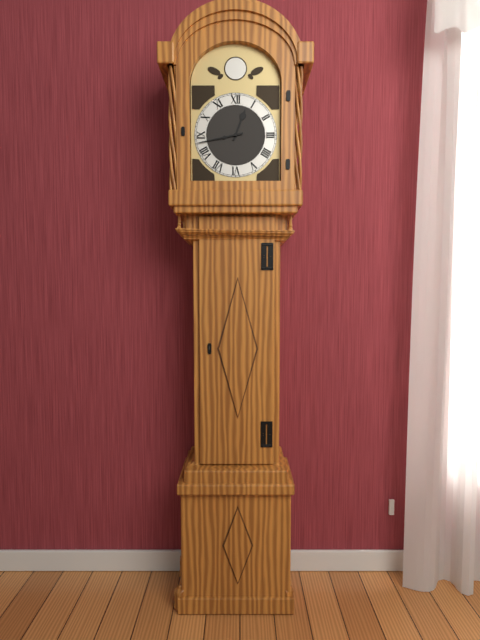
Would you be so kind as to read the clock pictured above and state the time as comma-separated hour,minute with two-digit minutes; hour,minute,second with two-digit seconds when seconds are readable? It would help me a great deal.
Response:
12,43
